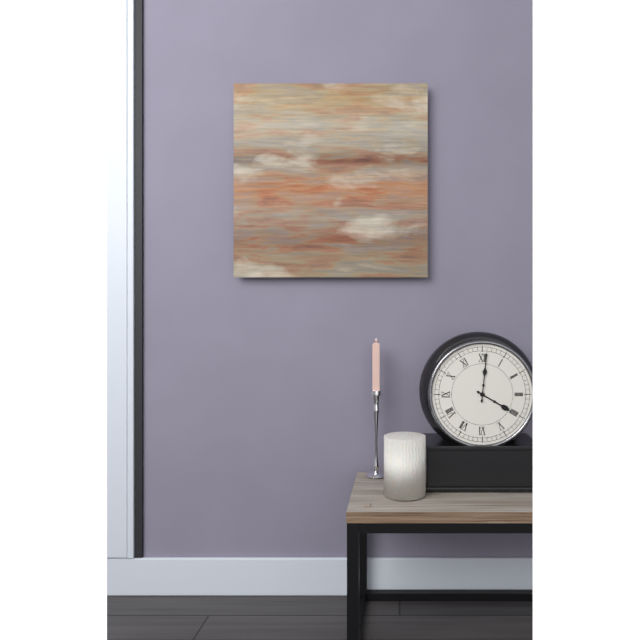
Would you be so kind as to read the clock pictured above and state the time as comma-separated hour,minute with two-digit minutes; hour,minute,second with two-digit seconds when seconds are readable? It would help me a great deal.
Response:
4,01
